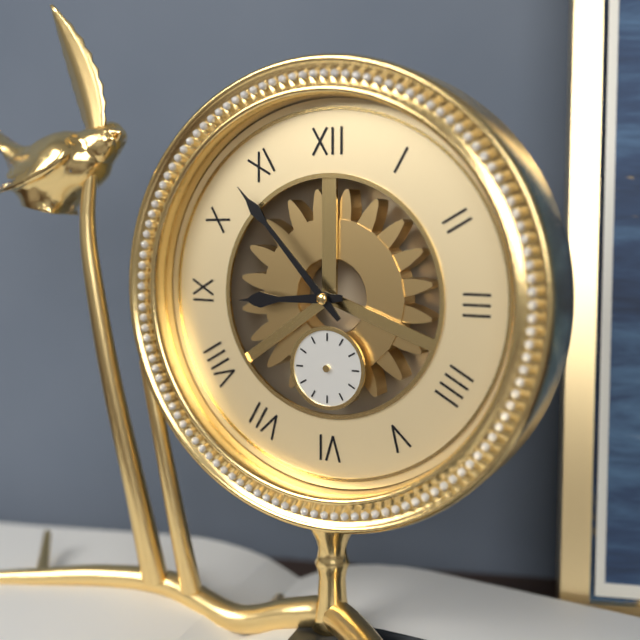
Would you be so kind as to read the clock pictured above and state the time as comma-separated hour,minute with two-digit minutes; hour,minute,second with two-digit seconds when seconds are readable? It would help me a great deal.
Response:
8,53
